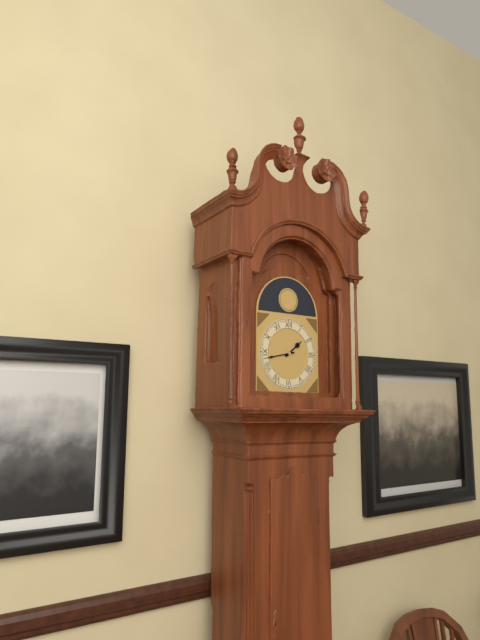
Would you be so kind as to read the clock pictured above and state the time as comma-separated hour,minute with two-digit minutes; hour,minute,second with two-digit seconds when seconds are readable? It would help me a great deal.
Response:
1,43
